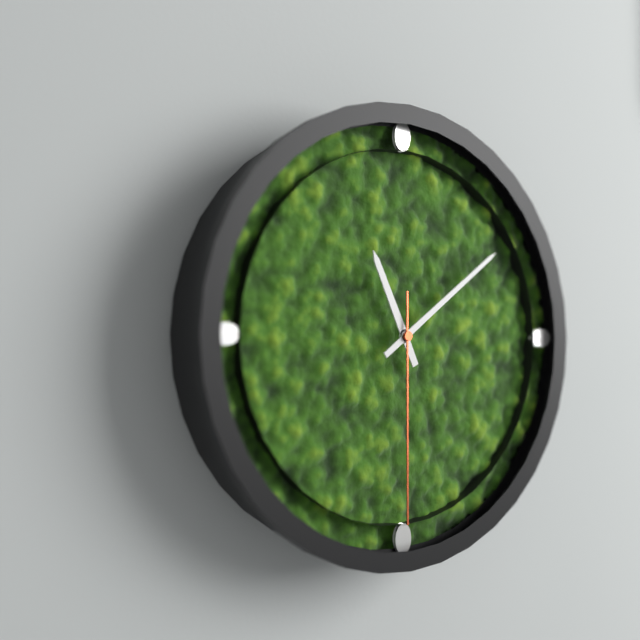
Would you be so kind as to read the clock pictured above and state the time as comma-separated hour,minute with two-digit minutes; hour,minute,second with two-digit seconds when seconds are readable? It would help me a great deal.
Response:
11,09,30
